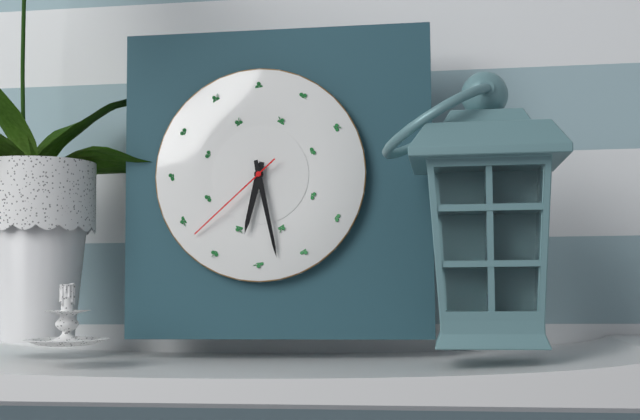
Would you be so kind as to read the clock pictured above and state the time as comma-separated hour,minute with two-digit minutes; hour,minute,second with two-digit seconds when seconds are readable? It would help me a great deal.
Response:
6,28,38
